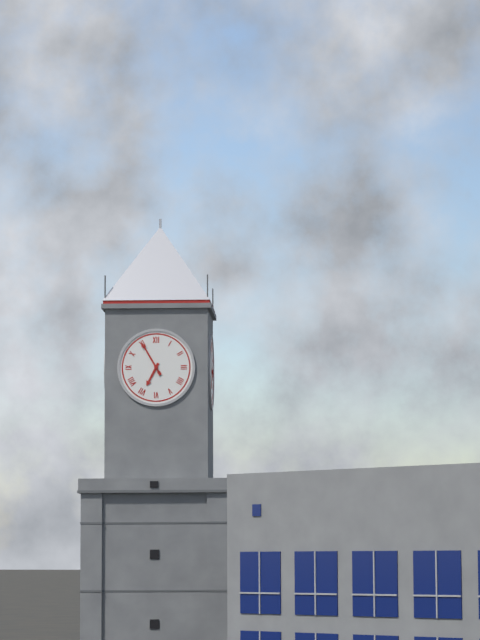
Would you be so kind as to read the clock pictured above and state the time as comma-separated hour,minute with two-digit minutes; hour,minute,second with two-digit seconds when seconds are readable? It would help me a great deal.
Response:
6,55
